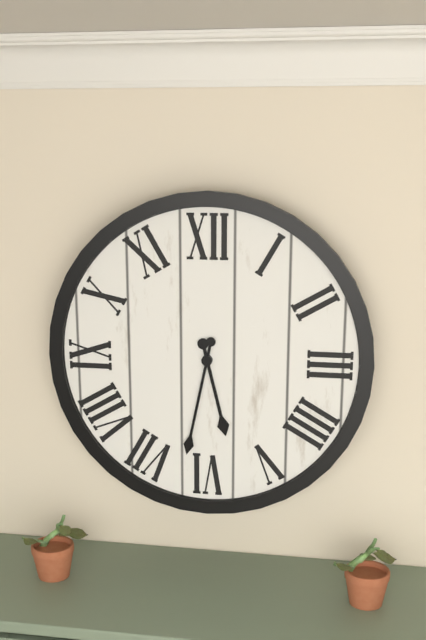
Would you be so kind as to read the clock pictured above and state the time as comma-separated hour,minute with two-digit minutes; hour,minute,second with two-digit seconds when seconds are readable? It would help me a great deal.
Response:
5,32
